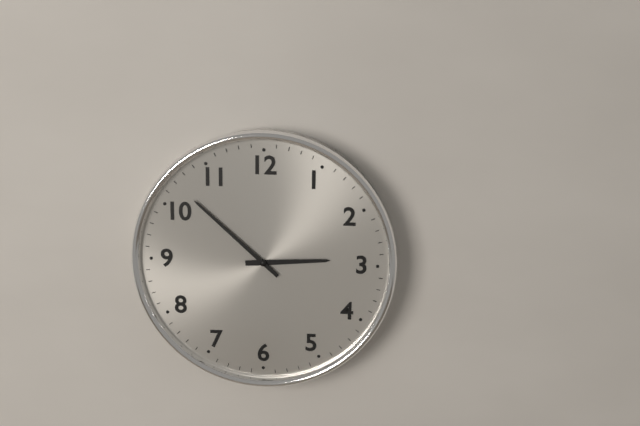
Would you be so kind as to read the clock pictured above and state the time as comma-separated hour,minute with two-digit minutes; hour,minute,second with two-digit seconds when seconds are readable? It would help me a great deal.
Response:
2,52
